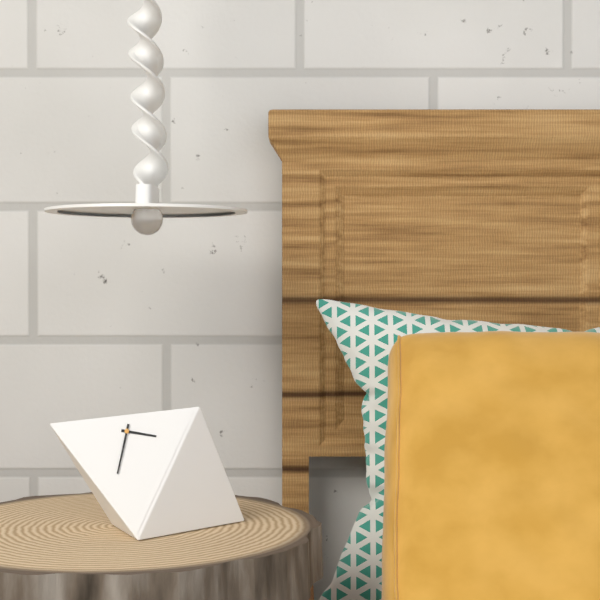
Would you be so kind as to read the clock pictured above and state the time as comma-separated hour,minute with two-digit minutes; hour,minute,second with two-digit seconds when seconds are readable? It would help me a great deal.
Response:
3,33
